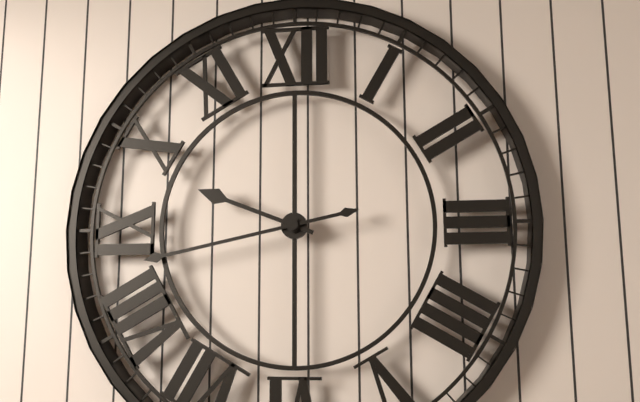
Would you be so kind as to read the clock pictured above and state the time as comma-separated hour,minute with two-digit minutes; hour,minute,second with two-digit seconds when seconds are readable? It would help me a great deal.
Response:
9,43
